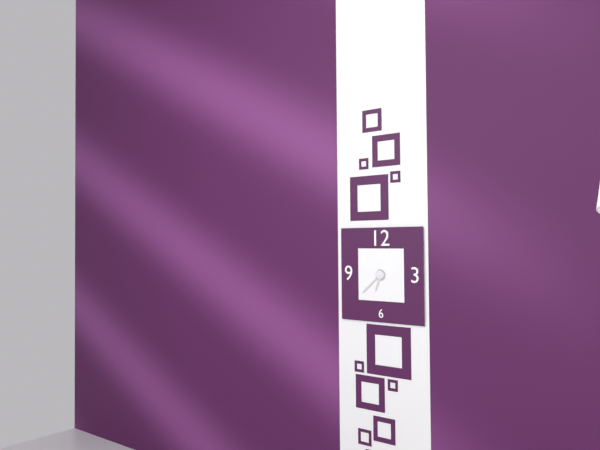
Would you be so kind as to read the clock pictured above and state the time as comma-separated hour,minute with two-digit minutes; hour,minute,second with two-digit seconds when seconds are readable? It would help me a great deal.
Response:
6,38
